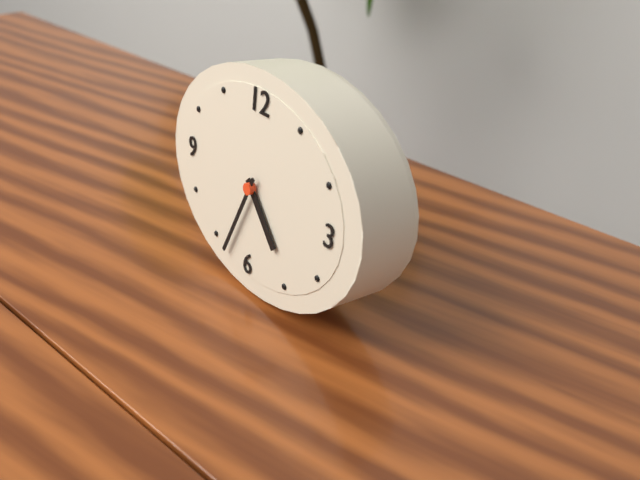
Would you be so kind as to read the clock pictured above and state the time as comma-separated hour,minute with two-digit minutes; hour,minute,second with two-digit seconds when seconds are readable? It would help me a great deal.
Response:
4,34
